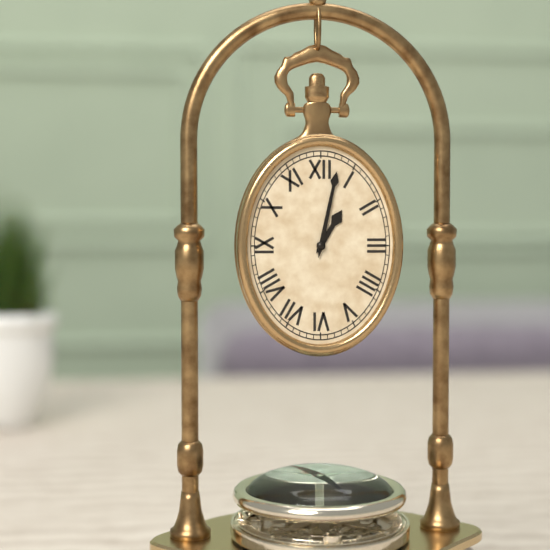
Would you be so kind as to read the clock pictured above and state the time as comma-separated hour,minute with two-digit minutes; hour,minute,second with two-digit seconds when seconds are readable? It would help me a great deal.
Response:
1,02
